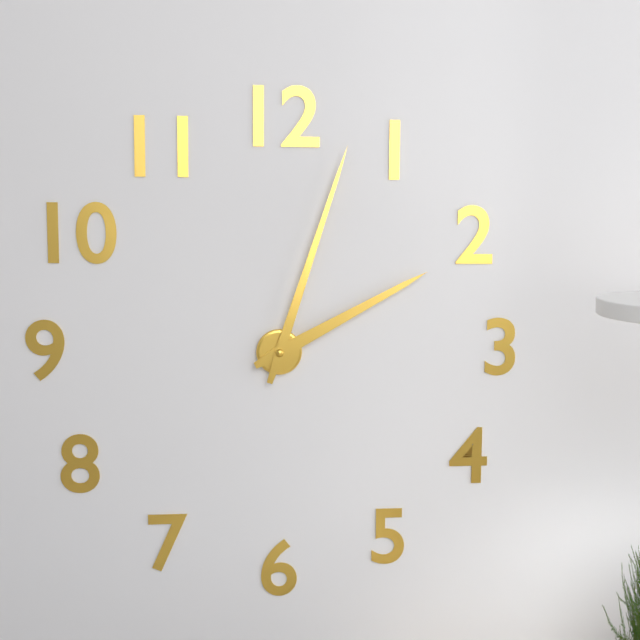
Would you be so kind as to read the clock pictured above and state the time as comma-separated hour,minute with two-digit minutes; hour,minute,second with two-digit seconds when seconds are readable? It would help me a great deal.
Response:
2,03
